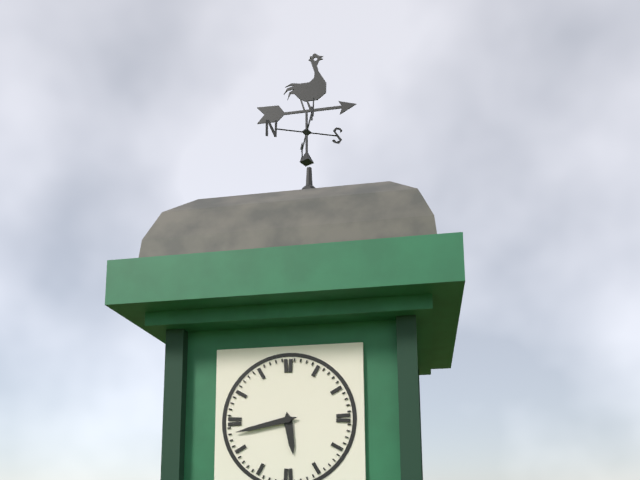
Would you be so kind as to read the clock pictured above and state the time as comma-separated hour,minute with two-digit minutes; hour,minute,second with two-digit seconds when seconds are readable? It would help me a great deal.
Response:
5,43
